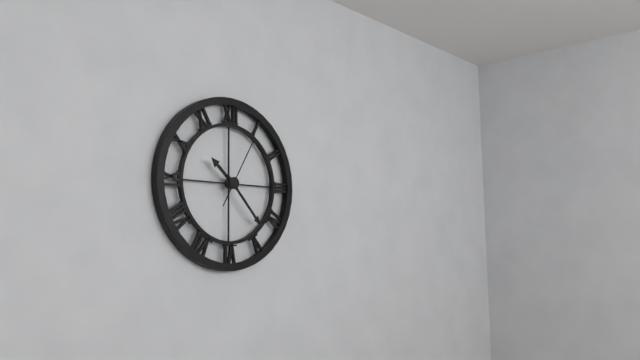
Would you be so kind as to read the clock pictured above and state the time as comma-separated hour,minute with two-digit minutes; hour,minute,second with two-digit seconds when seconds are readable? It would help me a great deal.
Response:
10,23,05
